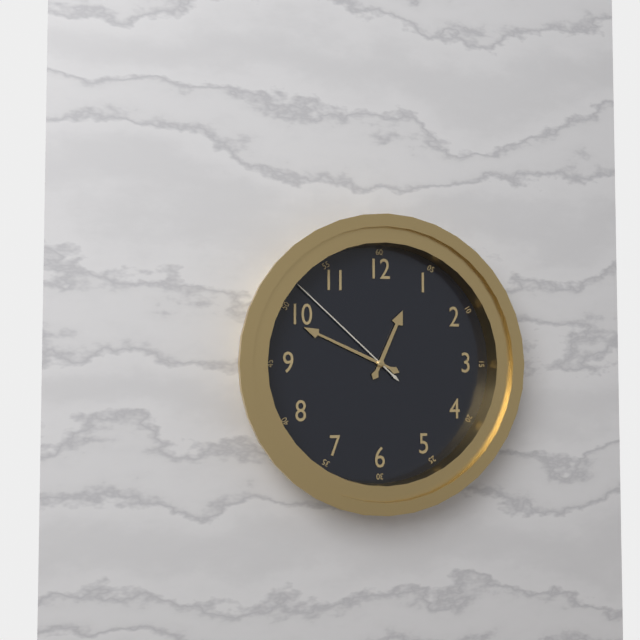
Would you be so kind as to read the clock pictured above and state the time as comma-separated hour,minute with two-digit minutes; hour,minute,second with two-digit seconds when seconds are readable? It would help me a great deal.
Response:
12,49,52
